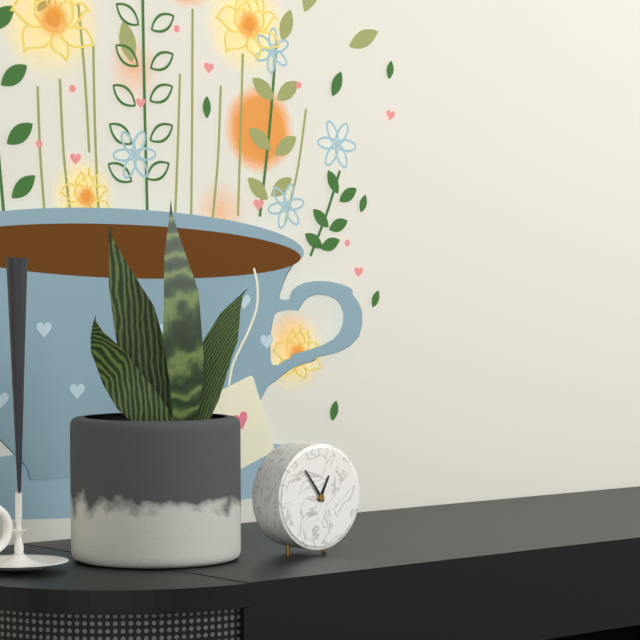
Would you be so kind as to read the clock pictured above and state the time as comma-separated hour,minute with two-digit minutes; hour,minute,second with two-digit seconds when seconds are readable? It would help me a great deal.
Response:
12,54
